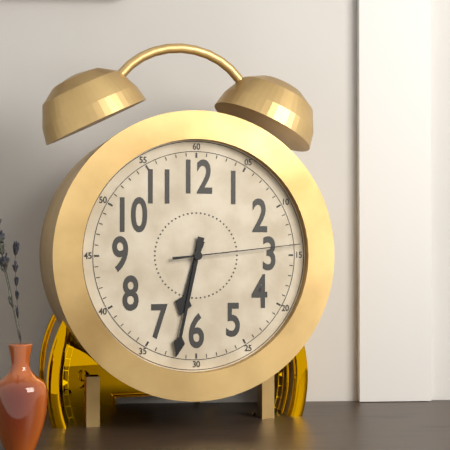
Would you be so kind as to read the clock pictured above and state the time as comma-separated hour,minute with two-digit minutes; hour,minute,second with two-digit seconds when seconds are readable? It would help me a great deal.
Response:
6,32,14
